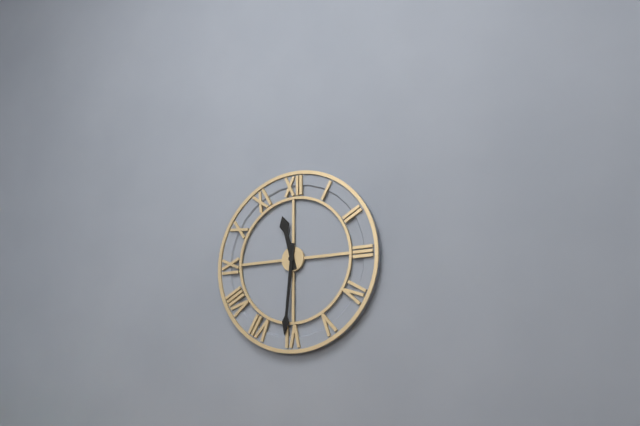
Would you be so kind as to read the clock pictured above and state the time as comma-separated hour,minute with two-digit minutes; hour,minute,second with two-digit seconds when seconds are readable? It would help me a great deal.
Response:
11,31
